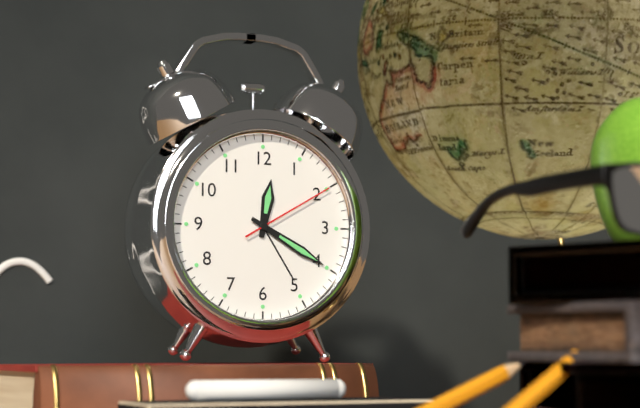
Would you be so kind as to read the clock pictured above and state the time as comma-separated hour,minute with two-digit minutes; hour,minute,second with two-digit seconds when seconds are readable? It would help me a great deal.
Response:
12,20,10
